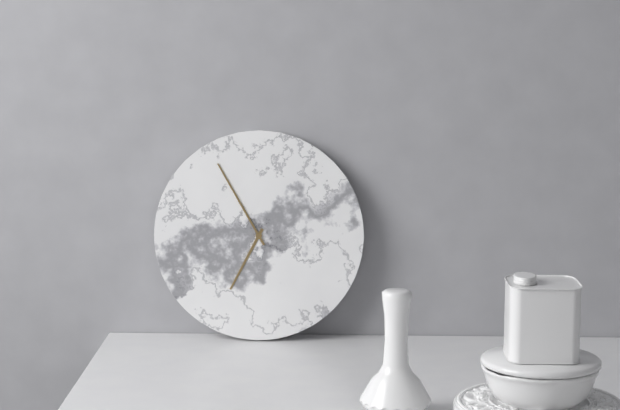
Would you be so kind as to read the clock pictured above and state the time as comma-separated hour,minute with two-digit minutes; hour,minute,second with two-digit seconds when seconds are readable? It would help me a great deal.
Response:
6,55
